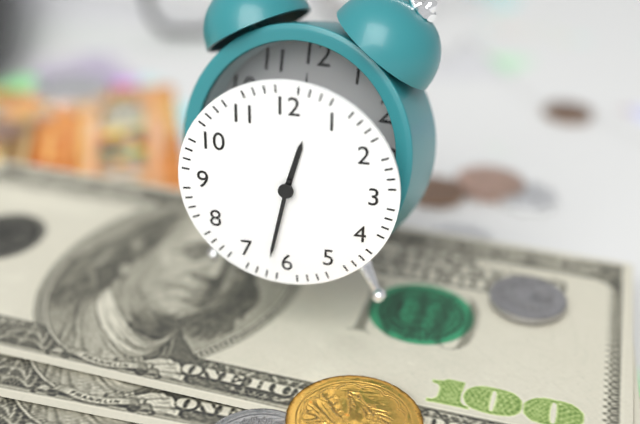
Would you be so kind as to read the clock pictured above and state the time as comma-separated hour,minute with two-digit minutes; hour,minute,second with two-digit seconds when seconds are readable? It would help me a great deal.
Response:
12,32
